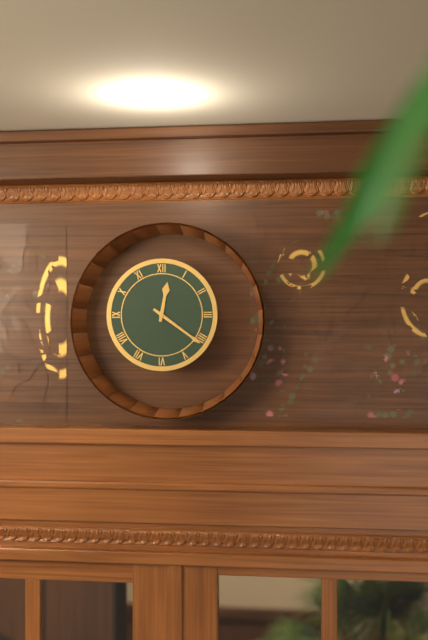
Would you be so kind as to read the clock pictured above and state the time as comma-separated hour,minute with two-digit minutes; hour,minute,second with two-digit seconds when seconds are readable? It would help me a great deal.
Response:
12,21
